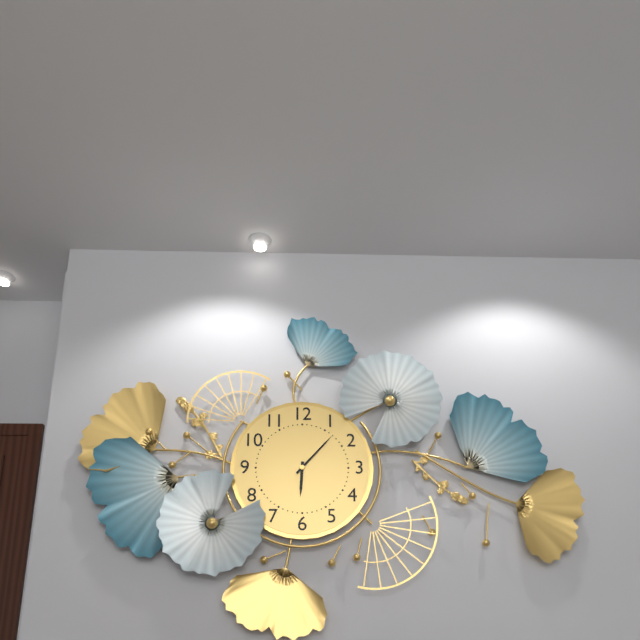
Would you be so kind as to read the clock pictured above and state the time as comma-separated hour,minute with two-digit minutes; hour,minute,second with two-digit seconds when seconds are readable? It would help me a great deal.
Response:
6,07
